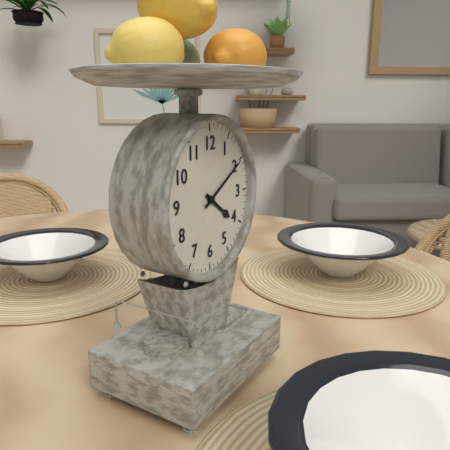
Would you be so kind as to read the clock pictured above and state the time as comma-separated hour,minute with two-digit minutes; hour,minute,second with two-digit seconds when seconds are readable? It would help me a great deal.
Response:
4,10
